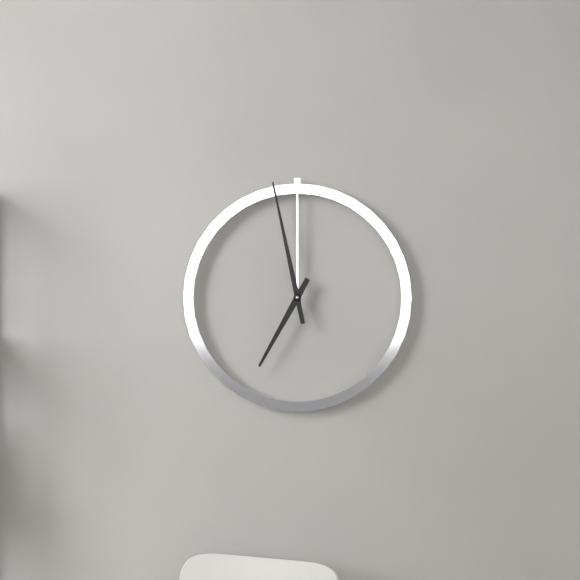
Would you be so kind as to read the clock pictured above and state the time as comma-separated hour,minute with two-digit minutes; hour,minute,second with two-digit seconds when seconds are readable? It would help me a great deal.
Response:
6,58
